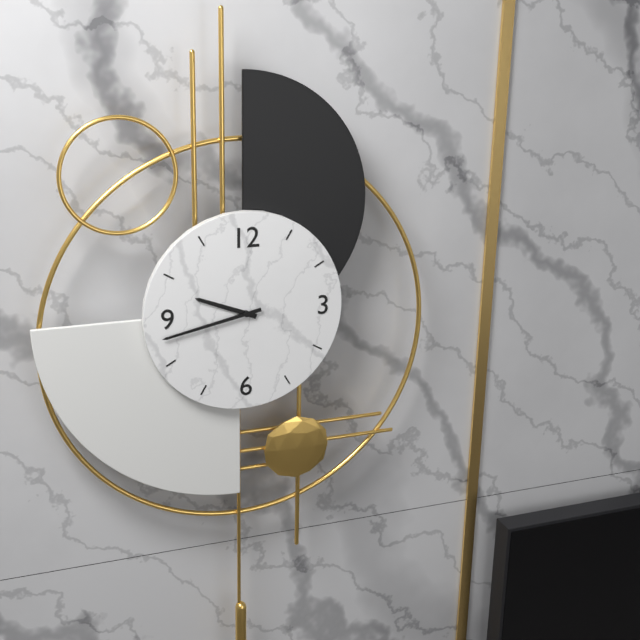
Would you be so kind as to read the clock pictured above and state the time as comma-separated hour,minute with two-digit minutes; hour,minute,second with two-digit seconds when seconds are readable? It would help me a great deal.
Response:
9,43
